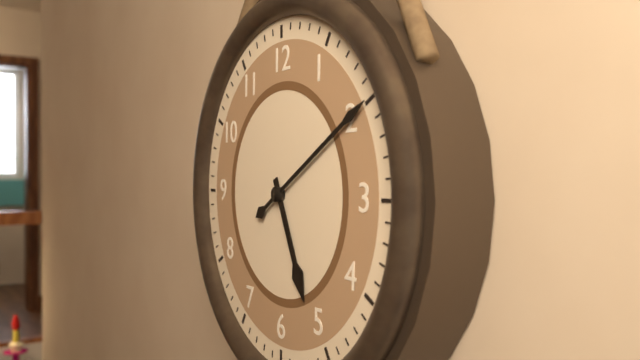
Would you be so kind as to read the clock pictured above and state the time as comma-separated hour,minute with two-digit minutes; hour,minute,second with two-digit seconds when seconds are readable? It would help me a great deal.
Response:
5,10
